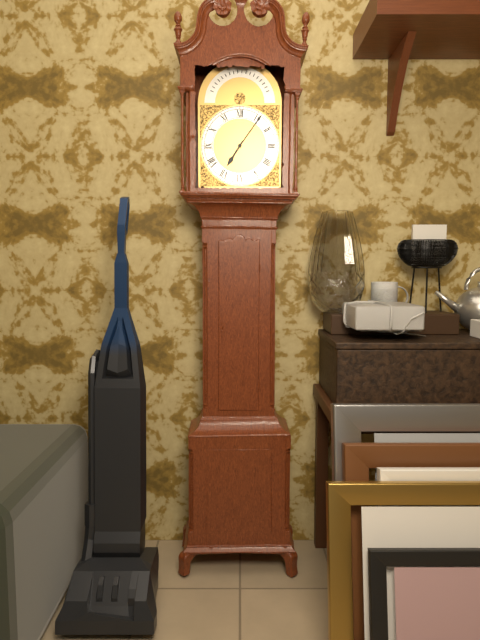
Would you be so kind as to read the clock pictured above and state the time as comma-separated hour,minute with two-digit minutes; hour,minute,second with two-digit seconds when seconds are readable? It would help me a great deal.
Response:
7,06
